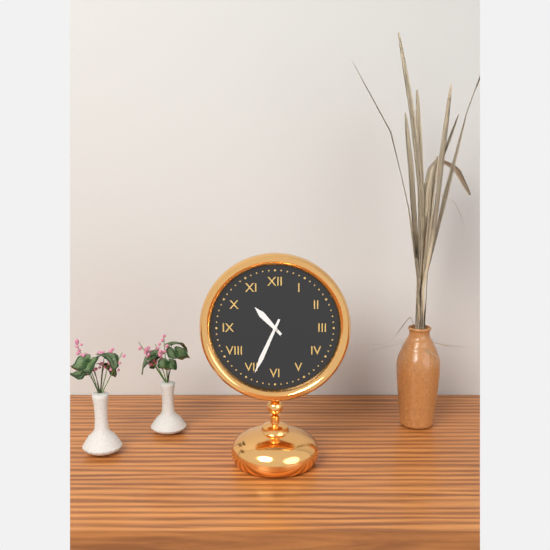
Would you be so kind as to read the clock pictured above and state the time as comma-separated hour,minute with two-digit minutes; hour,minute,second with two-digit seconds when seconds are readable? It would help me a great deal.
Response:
10,34
